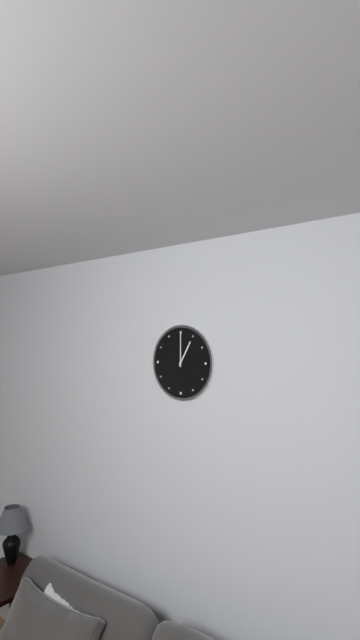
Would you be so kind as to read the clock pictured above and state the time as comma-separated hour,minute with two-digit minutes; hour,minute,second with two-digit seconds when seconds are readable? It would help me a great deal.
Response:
1,00
